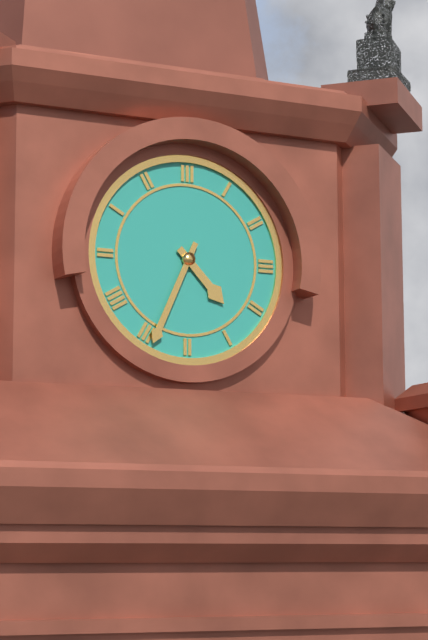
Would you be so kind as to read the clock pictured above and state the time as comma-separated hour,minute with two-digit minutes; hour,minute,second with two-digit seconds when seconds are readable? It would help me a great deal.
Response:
4,34
